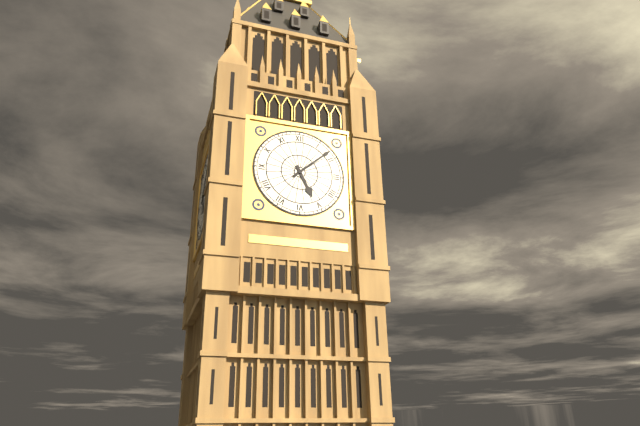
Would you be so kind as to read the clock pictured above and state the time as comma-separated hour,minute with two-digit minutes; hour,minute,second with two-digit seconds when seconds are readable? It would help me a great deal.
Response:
5,08
